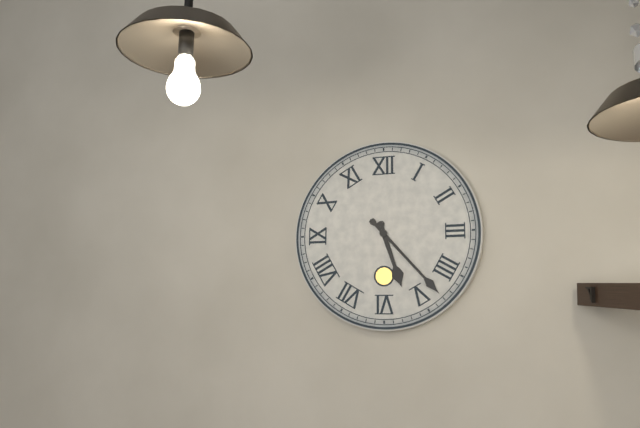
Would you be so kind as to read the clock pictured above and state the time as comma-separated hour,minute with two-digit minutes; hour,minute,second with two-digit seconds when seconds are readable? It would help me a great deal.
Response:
5,23
